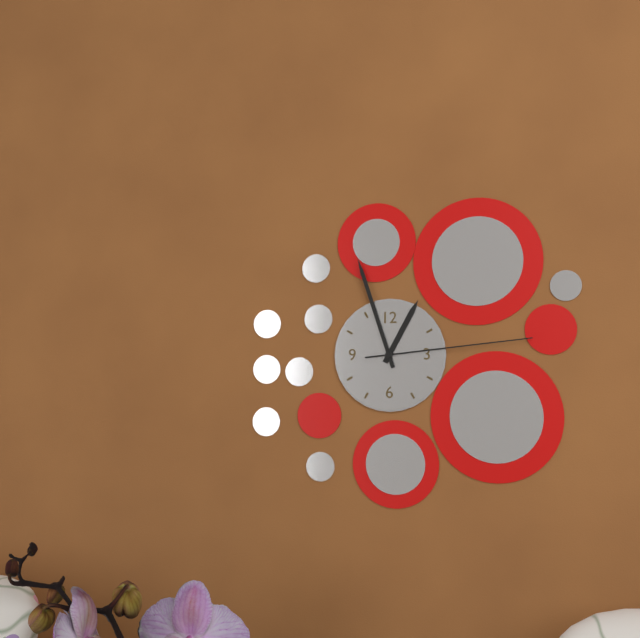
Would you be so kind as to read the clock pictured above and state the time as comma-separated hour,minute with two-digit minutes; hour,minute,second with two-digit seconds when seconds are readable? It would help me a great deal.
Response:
12,57,14
